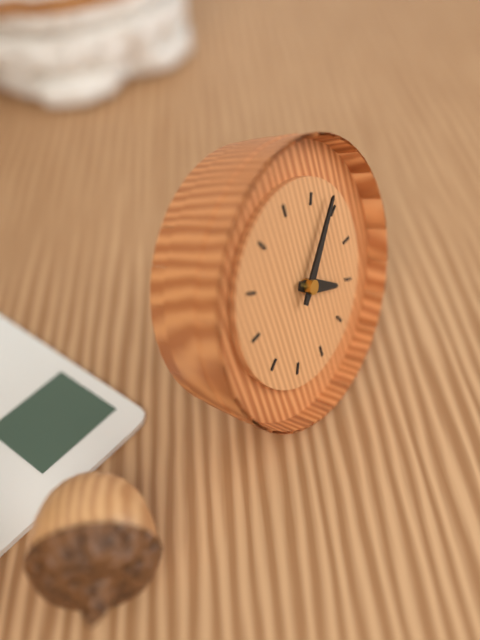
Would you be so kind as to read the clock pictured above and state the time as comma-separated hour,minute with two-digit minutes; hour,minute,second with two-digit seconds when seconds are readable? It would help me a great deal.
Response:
4,08
